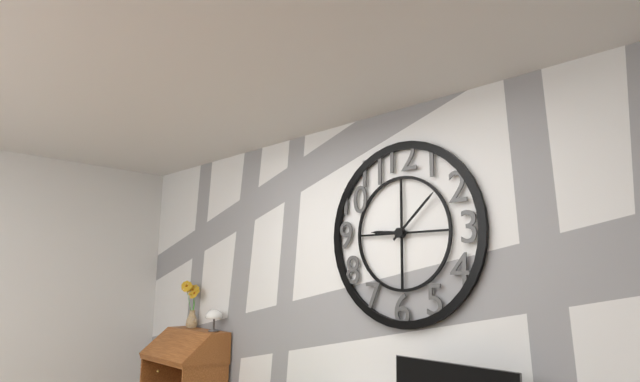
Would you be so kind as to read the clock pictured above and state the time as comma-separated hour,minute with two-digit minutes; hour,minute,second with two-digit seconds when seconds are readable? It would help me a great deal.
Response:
9,08
